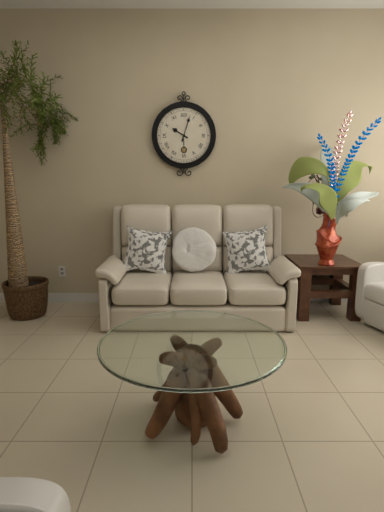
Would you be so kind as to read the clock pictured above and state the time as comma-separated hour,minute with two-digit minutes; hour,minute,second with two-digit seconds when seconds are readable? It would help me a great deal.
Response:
10,03
